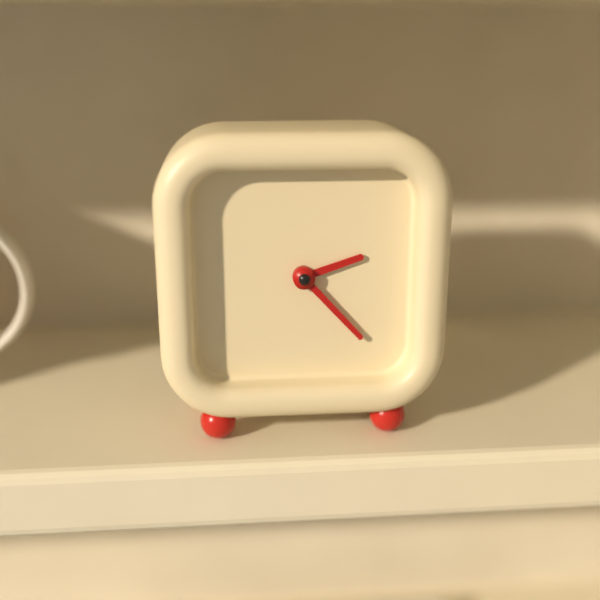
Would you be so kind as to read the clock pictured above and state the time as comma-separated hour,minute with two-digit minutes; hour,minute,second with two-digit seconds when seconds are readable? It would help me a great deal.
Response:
2,23
